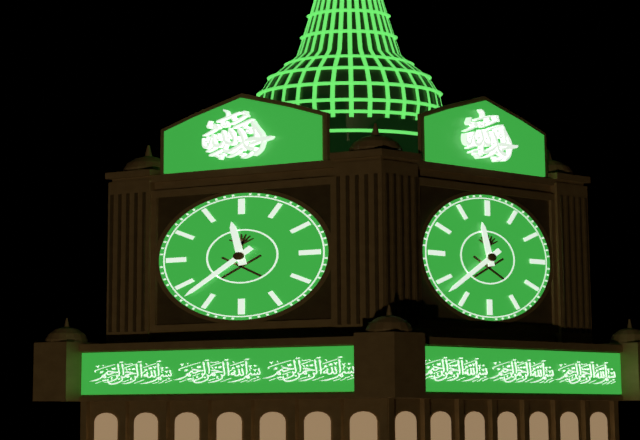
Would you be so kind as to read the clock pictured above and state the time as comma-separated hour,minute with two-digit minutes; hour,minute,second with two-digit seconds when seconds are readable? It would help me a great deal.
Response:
11,38
